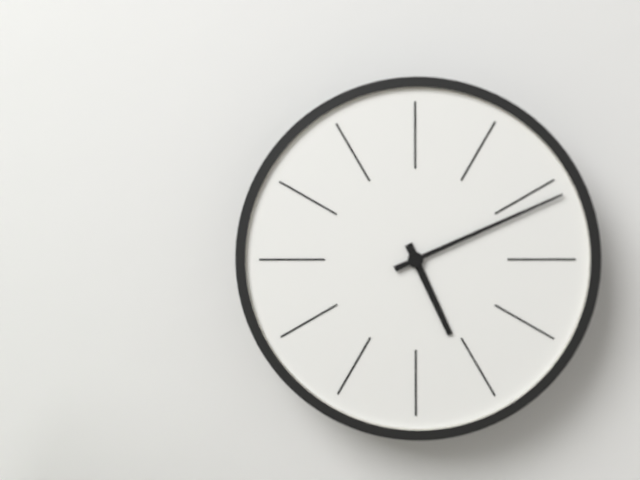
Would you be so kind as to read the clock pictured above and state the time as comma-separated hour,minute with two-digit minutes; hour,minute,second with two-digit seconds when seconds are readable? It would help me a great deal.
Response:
5,11
